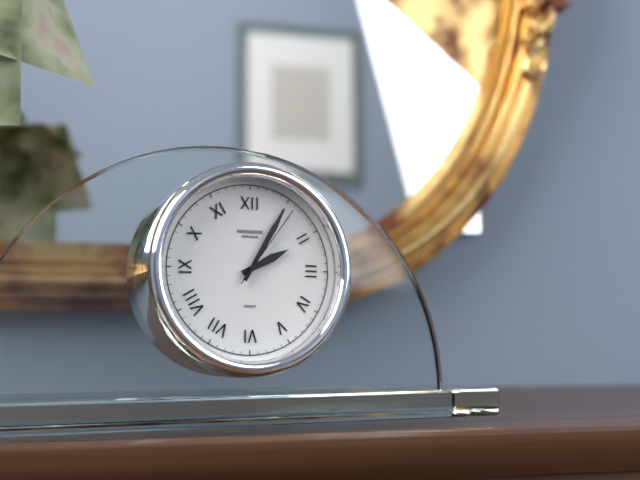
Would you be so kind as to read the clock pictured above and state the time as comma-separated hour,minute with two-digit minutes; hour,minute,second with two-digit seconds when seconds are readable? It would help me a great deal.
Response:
2,05,06
